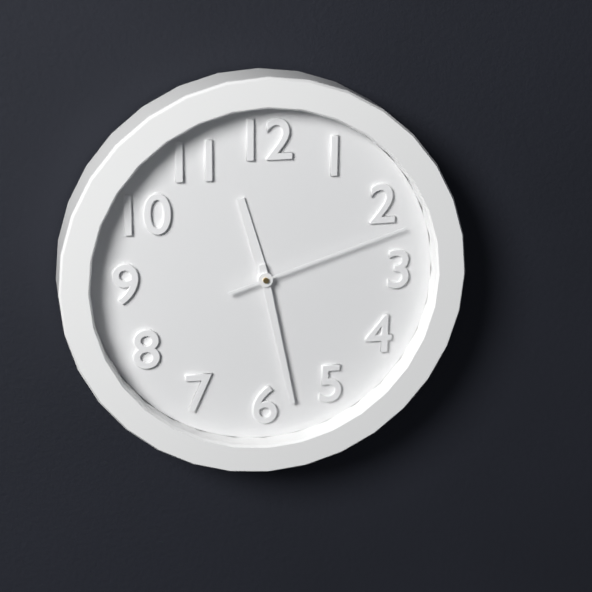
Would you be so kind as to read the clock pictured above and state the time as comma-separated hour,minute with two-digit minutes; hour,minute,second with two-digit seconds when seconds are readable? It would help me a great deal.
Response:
11,28,12
